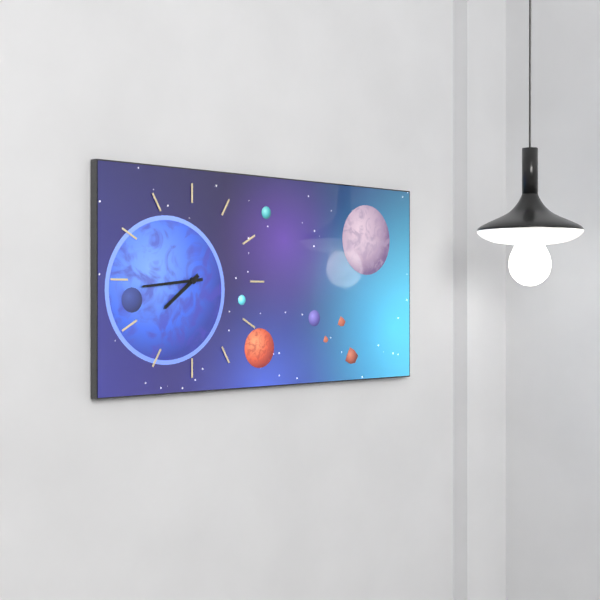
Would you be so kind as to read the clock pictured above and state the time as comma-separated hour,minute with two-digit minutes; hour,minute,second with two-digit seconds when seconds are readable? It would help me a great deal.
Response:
7,44
